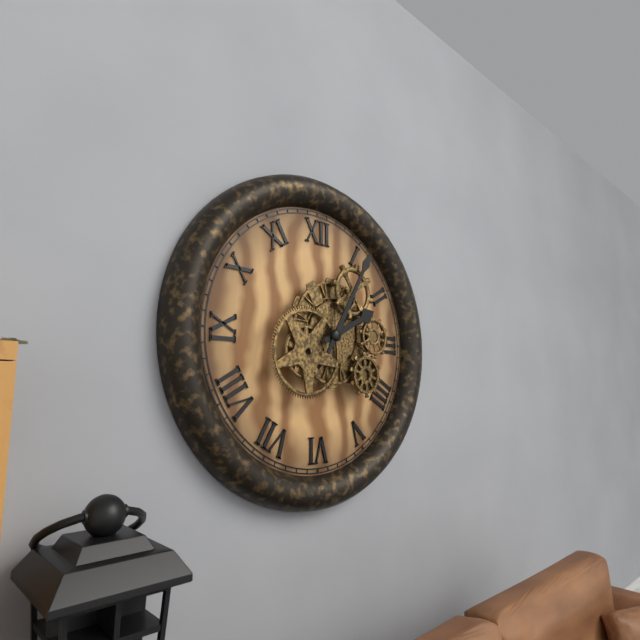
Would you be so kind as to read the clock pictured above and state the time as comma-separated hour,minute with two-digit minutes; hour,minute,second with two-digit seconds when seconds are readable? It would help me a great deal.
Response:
2,05
